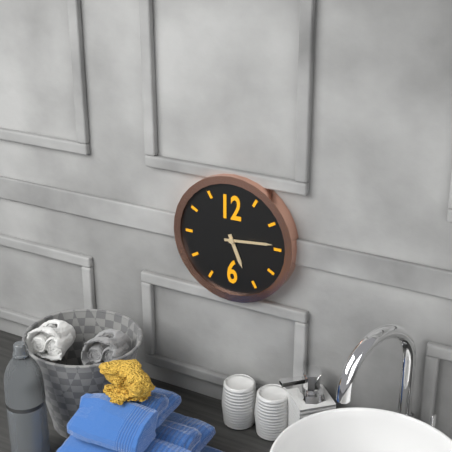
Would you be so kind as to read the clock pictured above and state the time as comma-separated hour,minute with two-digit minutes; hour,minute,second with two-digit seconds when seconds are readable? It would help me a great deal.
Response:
5,14
